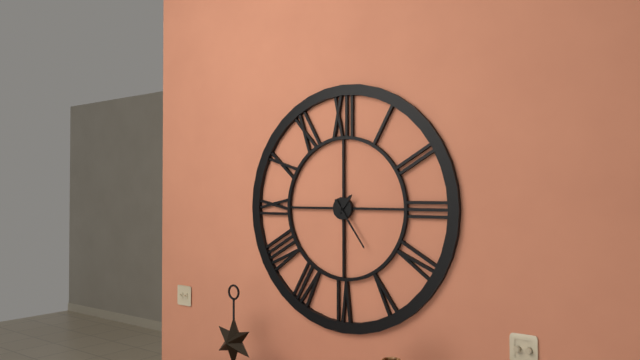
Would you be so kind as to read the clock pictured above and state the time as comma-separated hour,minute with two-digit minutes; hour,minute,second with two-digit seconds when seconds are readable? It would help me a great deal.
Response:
1,24
